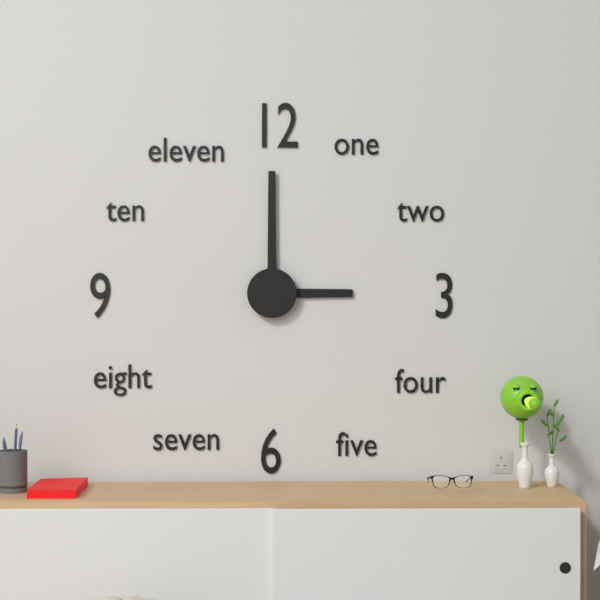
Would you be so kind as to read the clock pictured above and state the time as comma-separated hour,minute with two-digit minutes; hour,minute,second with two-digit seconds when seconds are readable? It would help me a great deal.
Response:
3,00
